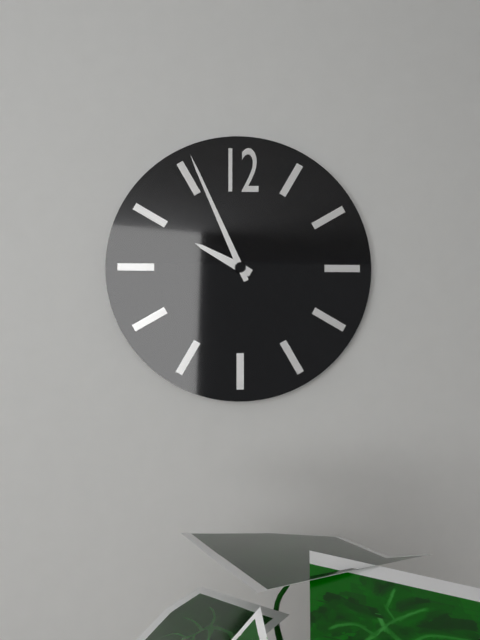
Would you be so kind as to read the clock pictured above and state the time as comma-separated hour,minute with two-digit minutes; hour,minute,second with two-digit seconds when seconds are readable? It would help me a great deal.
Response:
9,56
